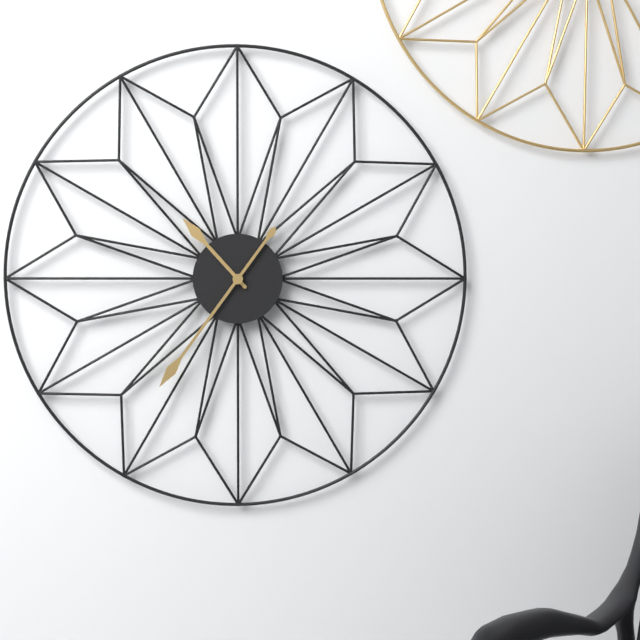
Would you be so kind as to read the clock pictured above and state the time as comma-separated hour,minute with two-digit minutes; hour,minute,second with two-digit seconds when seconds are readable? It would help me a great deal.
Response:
10,36
